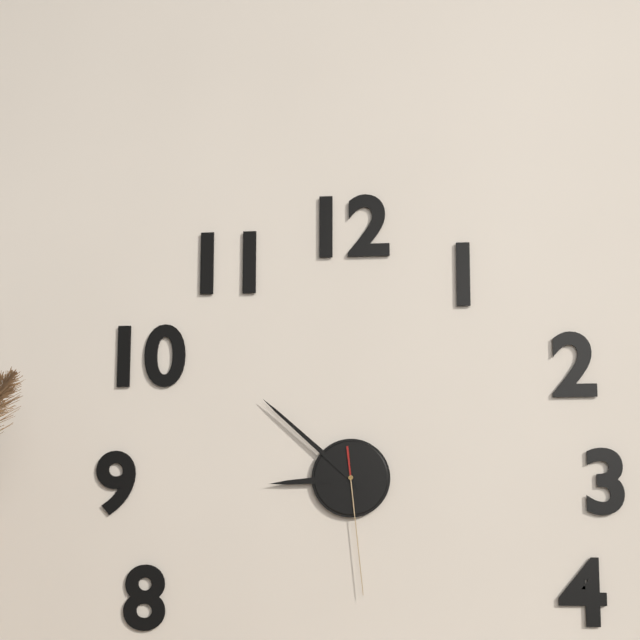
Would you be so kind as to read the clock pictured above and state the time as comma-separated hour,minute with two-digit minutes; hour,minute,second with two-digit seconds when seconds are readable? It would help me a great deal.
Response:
8,52,29
